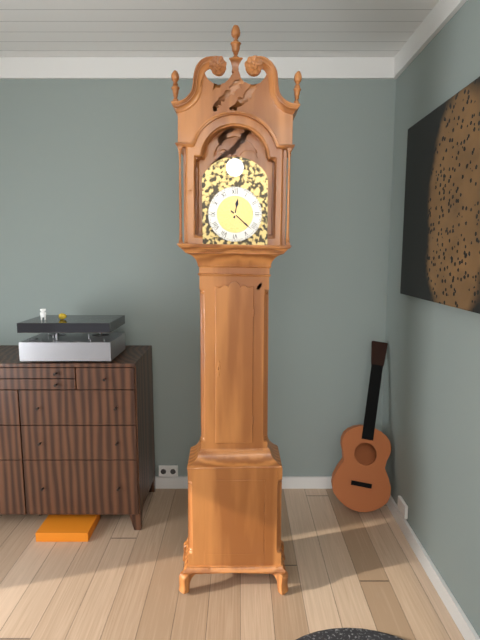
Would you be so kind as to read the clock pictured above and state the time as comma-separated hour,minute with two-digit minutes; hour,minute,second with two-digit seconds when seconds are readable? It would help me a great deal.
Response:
12,22
